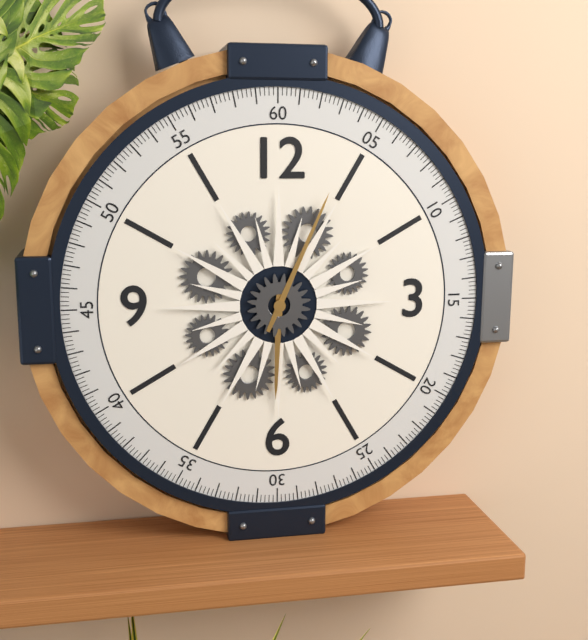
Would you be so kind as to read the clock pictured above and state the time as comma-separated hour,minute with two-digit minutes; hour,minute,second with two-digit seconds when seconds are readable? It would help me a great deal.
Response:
6,04
